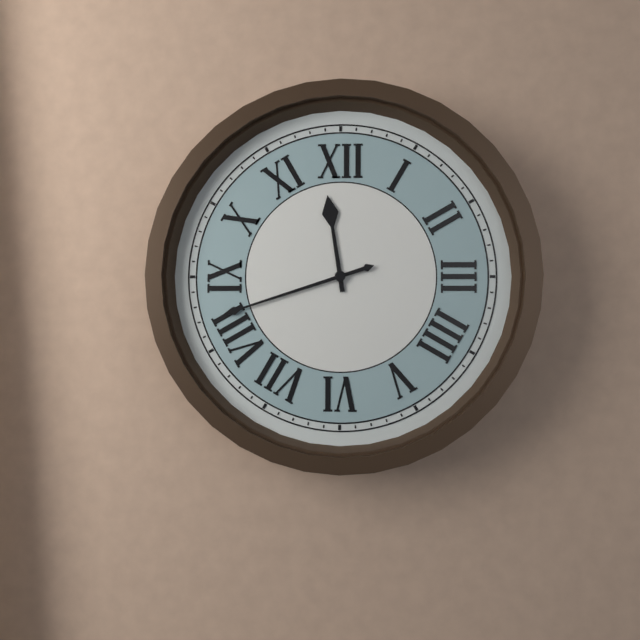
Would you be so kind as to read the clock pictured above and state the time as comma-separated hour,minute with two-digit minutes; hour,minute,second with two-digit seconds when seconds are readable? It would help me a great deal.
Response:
11,42
